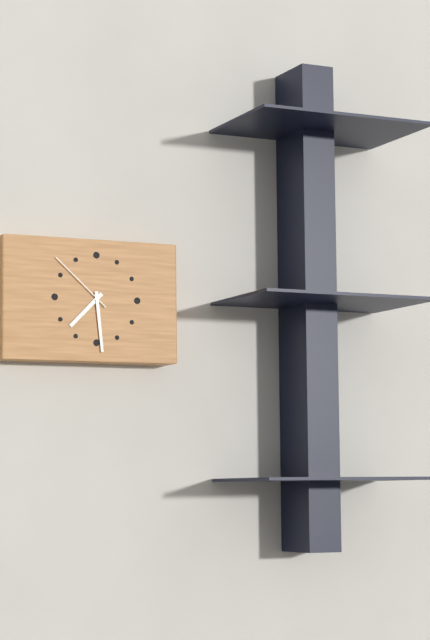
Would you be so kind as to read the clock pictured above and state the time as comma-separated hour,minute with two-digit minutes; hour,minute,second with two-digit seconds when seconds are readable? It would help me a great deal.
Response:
7,29,52
